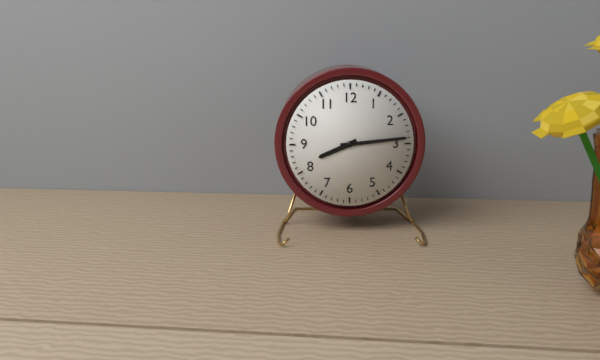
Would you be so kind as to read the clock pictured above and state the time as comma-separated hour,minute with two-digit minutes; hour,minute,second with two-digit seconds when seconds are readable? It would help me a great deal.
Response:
8,14
